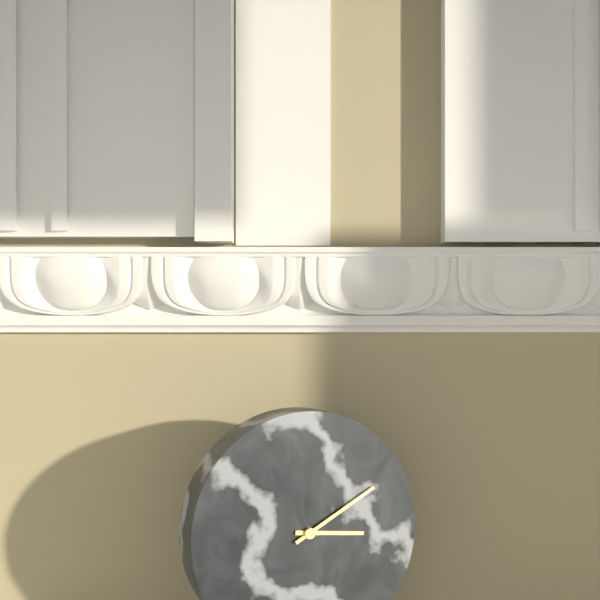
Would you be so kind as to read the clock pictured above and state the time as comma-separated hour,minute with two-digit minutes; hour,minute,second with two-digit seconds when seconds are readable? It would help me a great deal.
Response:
3,10
